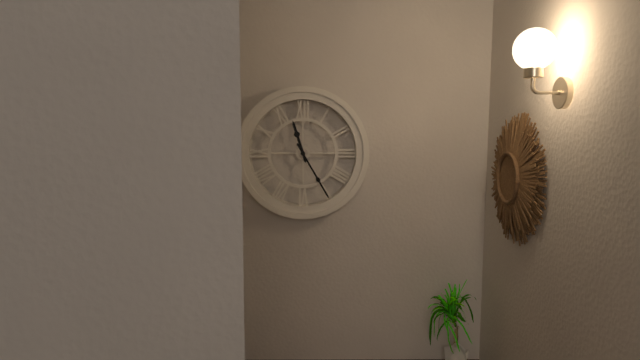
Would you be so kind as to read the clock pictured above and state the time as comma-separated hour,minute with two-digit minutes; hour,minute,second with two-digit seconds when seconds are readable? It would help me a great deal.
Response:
11,25
